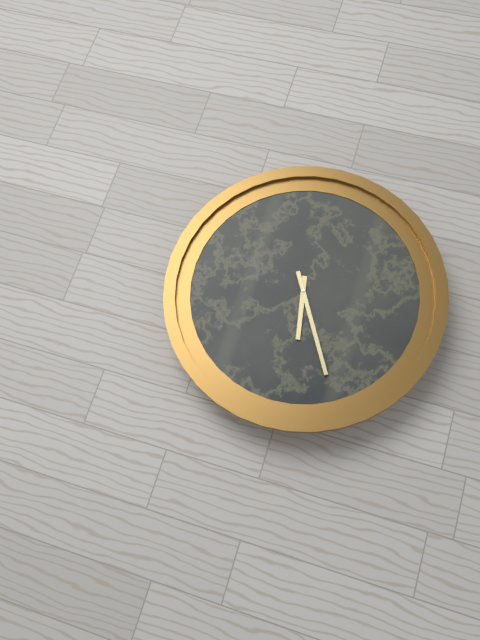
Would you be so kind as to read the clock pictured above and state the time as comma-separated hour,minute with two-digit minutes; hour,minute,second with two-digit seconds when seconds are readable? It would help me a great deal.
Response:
8,40
